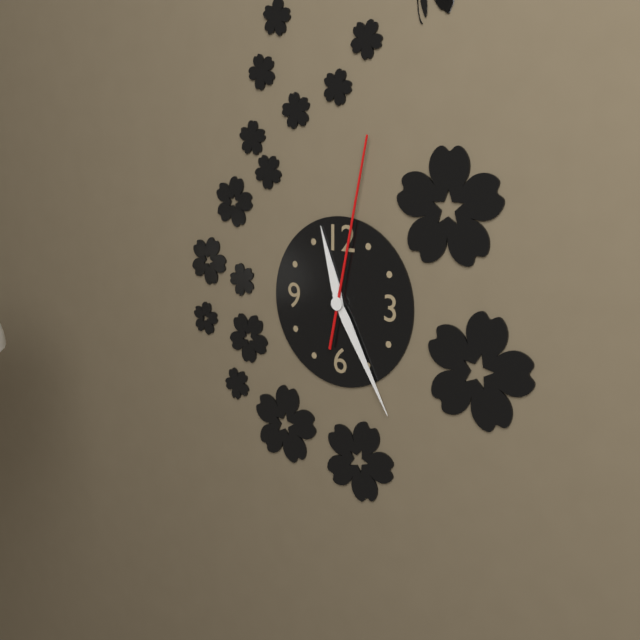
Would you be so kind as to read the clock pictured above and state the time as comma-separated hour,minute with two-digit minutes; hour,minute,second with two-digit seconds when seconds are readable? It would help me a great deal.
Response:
11,25,02
